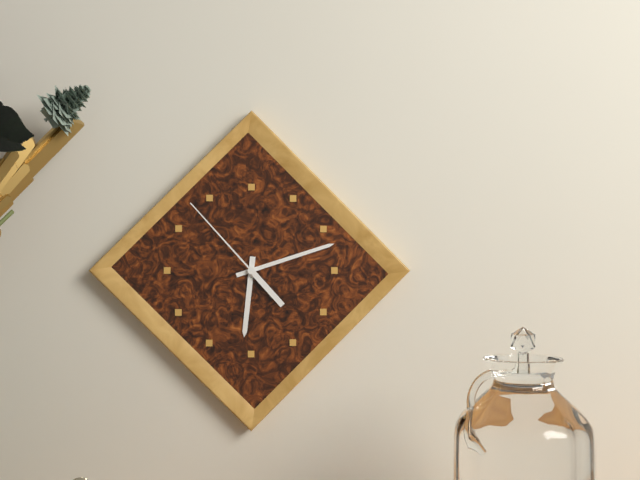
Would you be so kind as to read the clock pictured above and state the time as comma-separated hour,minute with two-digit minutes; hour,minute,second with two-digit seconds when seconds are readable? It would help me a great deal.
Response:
6,12,53
